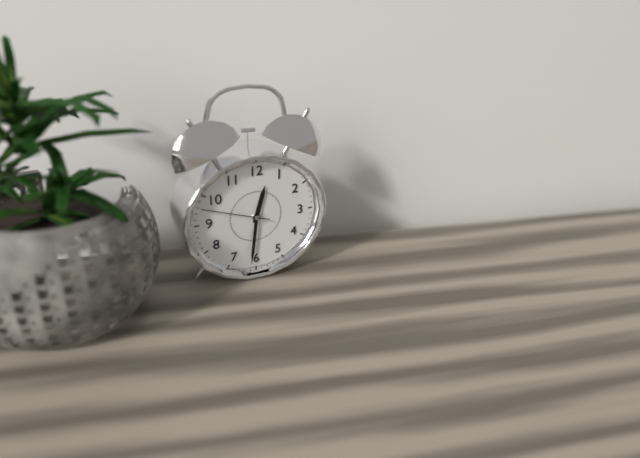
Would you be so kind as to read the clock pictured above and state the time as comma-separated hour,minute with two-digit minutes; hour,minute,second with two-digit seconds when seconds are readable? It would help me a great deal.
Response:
12,31,48
